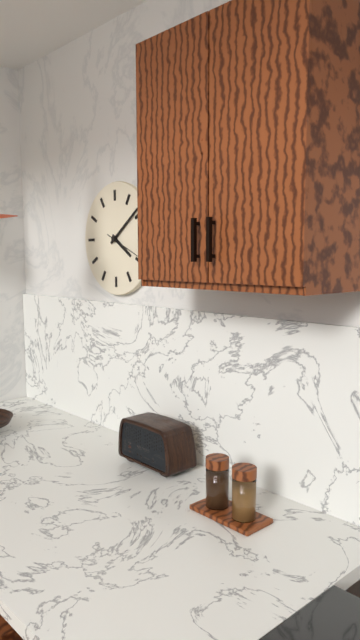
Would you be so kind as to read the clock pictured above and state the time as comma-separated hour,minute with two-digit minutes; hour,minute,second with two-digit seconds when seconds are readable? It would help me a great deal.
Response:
4,09
